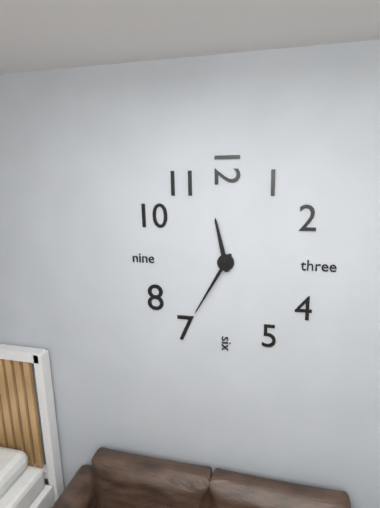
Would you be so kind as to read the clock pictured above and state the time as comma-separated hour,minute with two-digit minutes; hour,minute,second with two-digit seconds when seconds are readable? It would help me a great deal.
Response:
11,35
